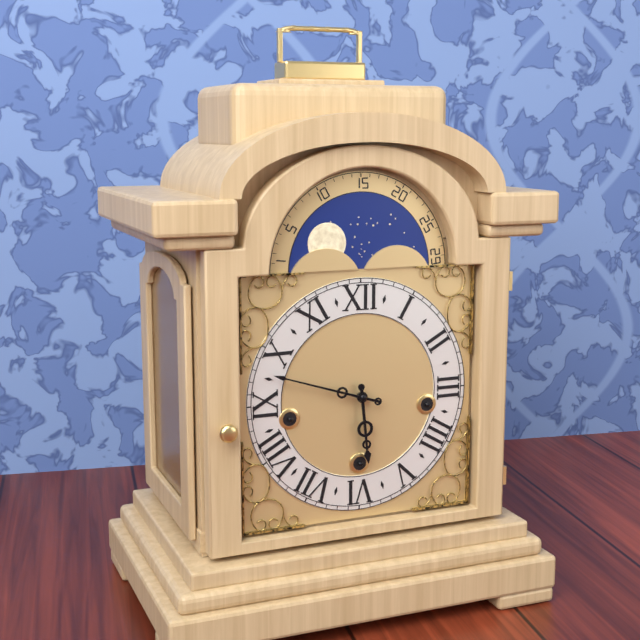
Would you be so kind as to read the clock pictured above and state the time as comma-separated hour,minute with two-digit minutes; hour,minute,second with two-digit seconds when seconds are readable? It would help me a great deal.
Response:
5,48
